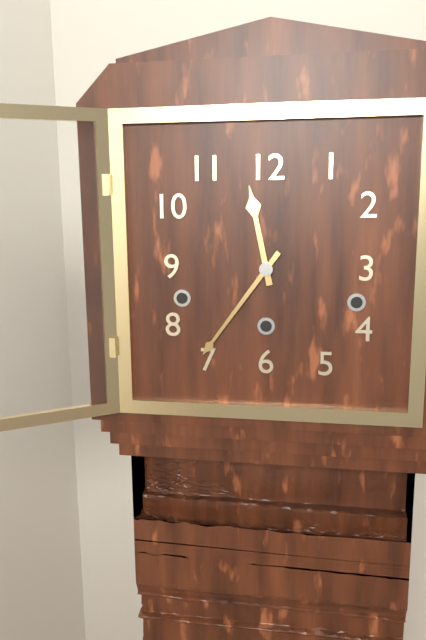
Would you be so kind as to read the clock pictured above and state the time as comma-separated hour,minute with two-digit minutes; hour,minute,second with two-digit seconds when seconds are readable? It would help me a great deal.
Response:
11,36
